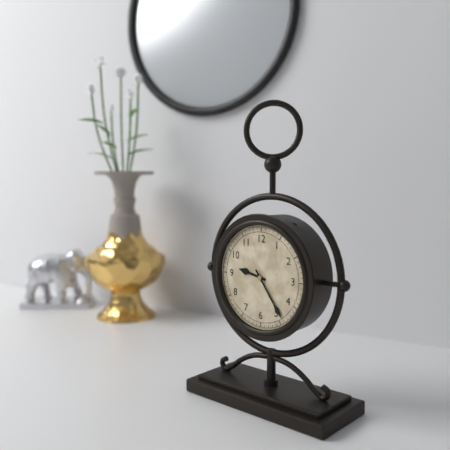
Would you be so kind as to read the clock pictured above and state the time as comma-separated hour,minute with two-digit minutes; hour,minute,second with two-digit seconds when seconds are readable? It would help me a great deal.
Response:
9,24
